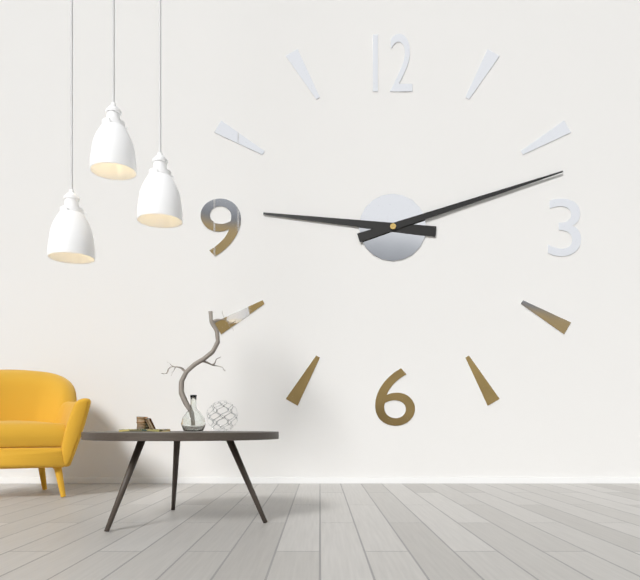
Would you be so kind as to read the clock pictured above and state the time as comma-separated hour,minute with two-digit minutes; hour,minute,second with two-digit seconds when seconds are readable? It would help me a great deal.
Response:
9,12
